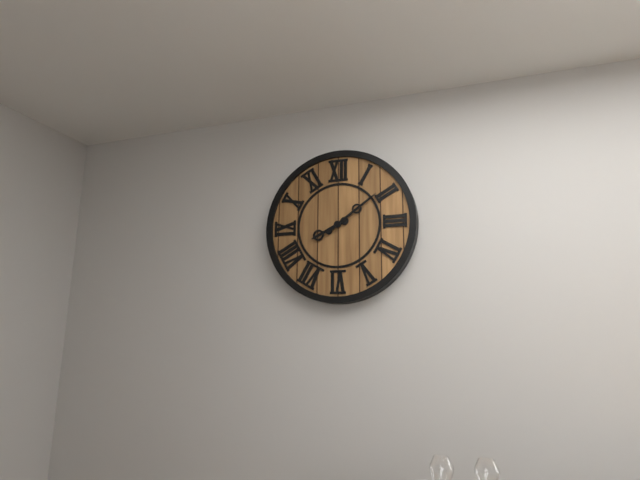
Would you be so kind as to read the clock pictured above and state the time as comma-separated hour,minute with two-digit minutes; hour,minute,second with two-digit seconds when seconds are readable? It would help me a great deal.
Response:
8,09
